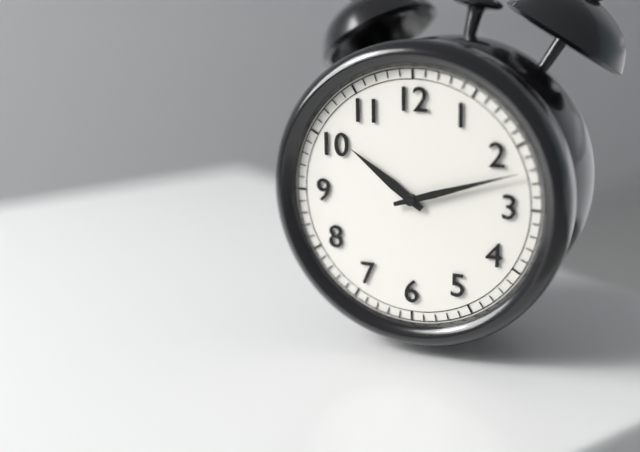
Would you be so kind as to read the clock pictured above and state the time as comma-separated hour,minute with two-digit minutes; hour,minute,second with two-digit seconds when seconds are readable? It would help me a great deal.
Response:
10,12
